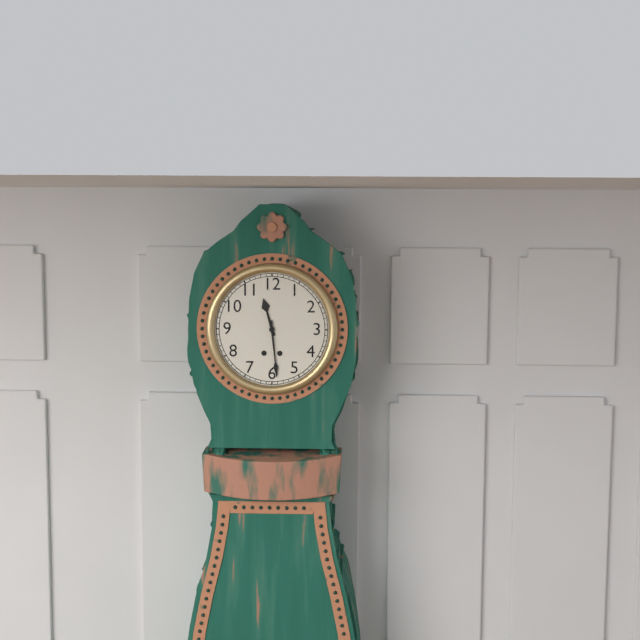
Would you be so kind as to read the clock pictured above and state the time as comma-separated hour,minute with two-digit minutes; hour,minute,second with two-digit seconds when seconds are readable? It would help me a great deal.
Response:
11,29
